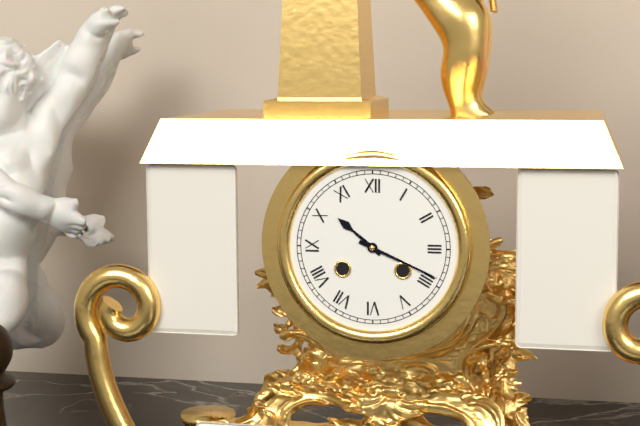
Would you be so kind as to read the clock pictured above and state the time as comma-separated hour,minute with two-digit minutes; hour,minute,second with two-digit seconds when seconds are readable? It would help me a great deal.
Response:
10,19
